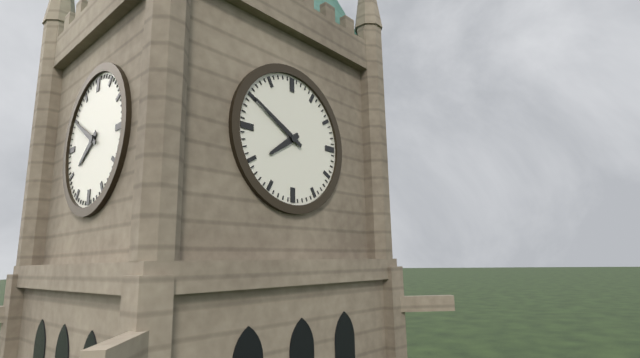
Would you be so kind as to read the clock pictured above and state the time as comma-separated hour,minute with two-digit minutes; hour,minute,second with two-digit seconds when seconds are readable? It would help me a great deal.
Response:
7,50
